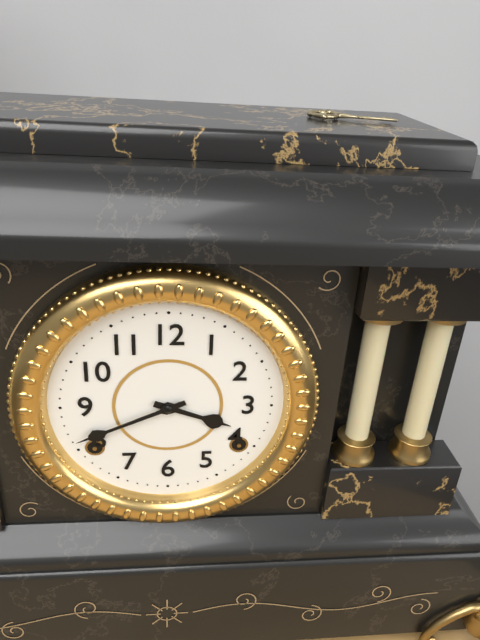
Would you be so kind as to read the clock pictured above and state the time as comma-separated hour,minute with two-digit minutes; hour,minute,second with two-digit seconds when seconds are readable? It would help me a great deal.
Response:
3,41
